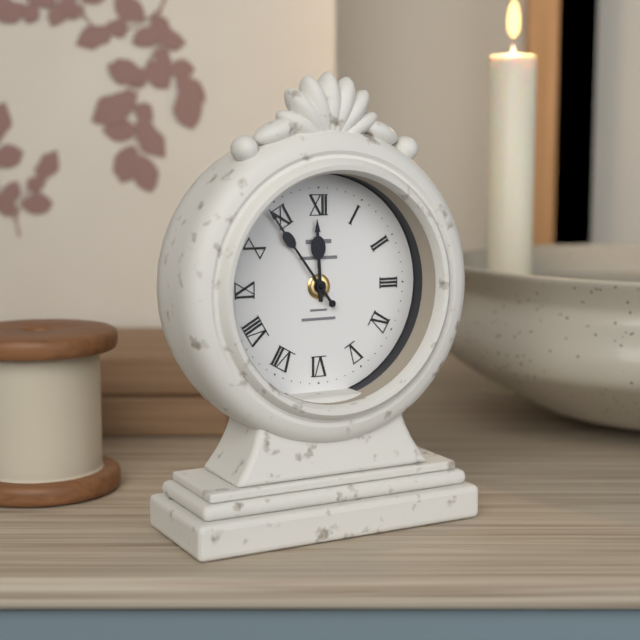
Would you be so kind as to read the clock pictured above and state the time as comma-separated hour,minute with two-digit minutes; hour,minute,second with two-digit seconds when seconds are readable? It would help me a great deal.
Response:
11,54
